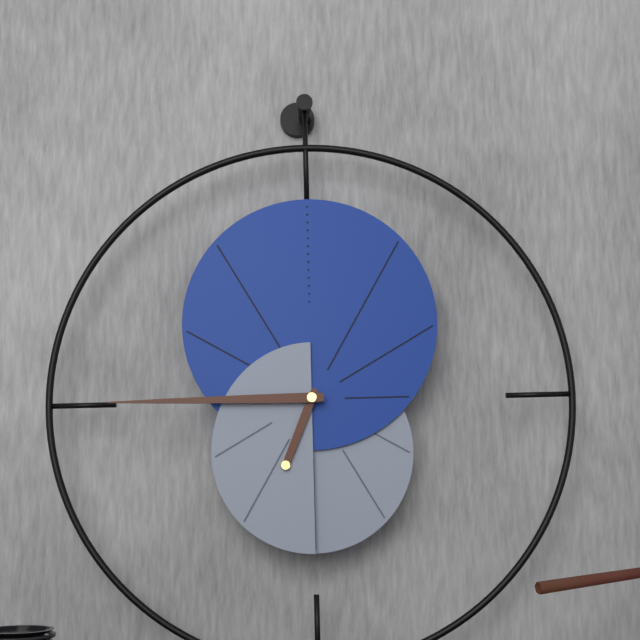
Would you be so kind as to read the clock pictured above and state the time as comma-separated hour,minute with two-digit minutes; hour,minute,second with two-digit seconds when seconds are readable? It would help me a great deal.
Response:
6,45
